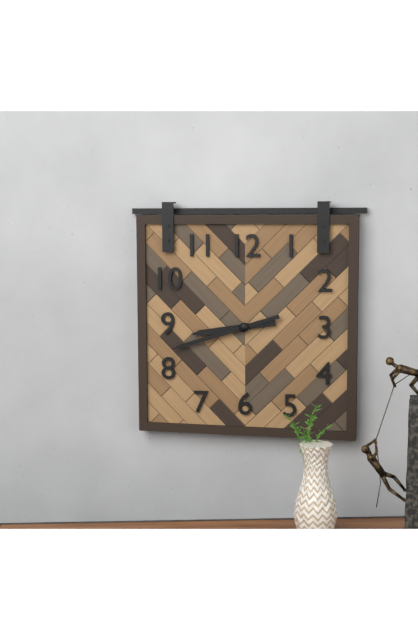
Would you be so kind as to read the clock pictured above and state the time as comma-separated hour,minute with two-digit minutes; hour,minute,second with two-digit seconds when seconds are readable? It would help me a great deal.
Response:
8,42
